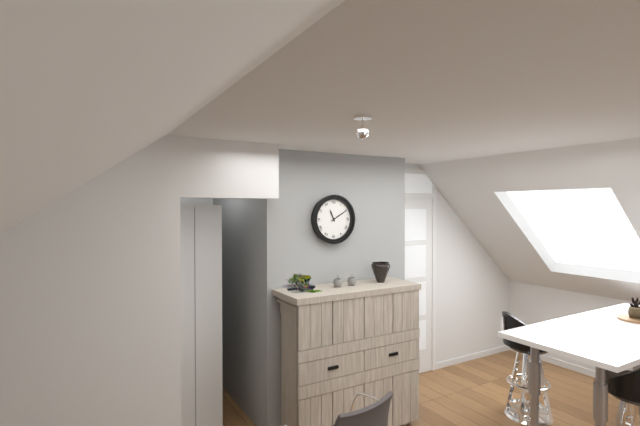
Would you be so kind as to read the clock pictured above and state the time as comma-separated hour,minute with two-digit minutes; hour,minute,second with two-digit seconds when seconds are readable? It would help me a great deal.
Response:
11,10
